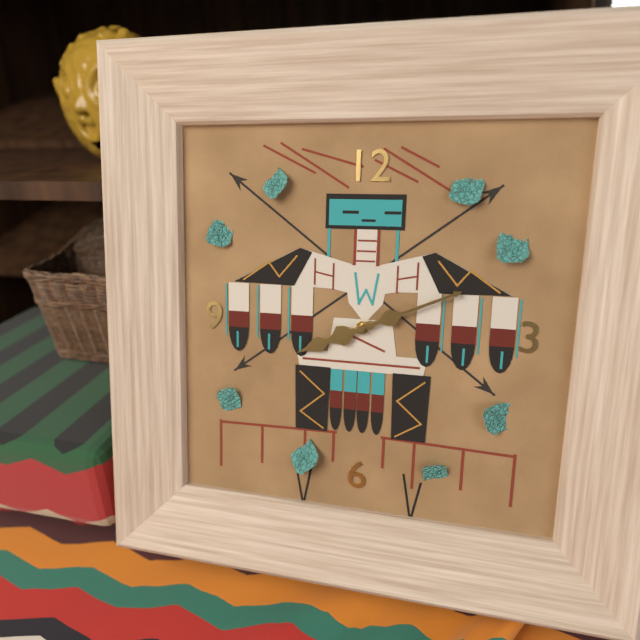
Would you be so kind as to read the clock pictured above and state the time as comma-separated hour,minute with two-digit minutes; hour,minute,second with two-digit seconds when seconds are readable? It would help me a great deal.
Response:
8,11
